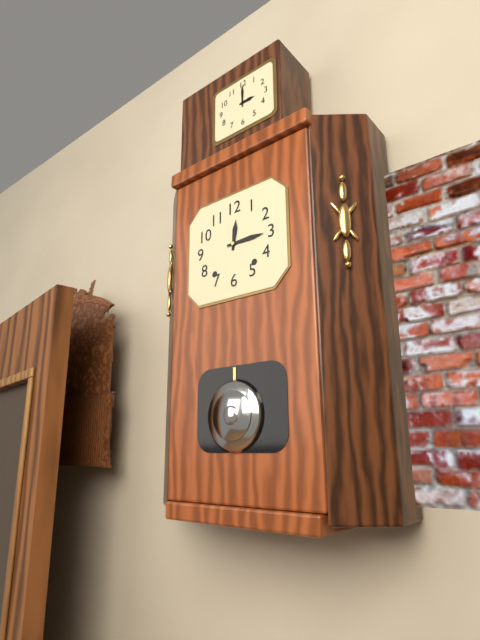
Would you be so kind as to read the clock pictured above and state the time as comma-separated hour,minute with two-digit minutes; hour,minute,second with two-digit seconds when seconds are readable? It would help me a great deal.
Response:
12,15
